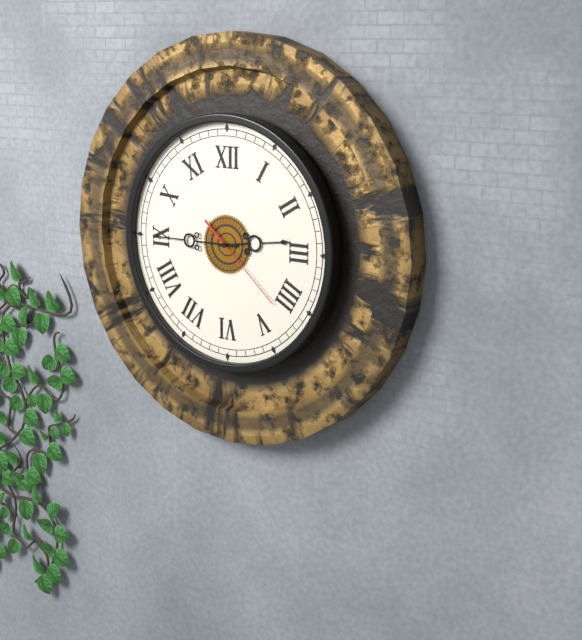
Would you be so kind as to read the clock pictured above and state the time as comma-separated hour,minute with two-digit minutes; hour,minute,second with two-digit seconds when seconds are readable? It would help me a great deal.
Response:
2,45,22
